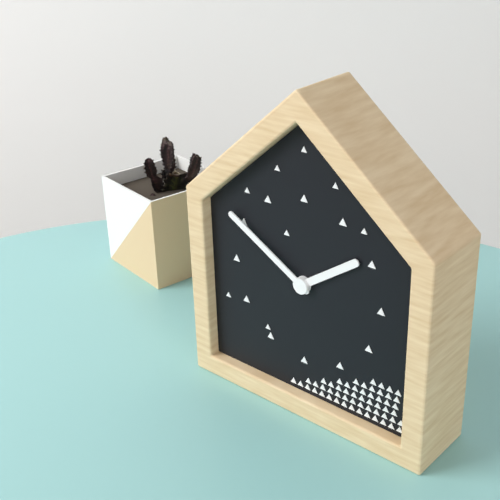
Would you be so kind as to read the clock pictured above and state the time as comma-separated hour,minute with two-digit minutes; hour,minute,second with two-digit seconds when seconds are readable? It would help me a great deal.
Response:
1,50
